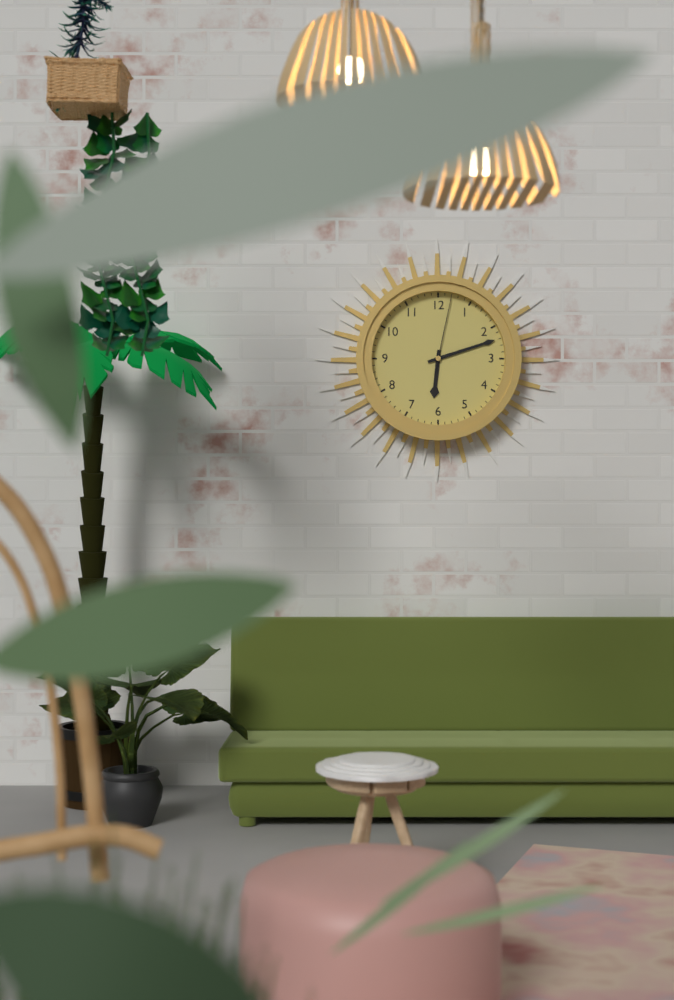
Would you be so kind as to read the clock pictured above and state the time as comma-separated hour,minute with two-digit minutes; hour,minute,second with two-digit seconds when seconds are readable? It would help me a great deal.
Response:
6,12,02
